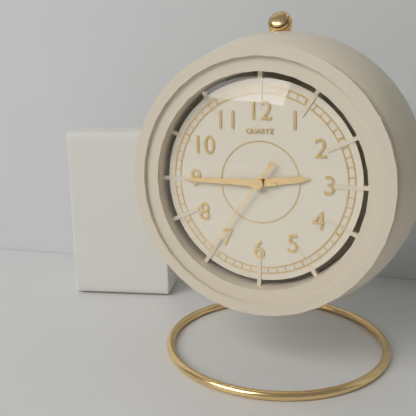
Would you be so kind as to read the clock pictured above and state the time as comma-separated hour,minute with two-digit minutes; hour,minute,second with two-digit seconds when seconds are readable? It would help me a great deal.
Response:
2,45,36
